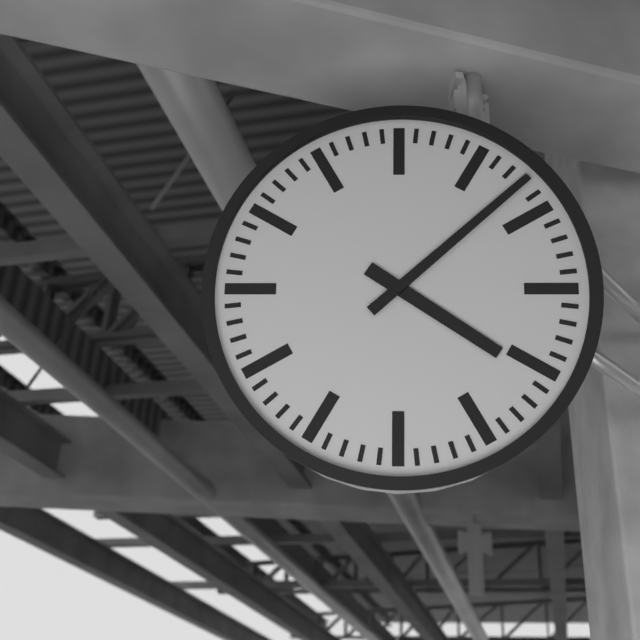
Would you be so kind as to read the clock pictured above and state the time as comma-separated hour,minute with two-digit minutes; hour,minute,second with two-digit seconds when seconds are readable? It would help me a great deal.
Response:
4,08
